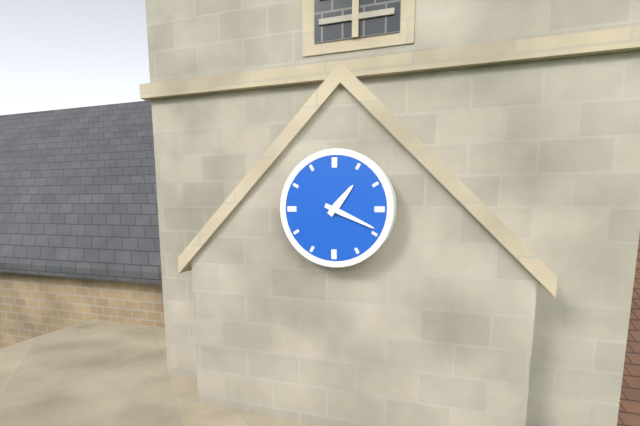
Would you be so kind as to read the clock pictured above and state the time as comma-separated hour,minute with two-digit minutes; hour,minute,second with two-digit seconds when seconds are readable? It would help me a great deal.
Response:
1,19
